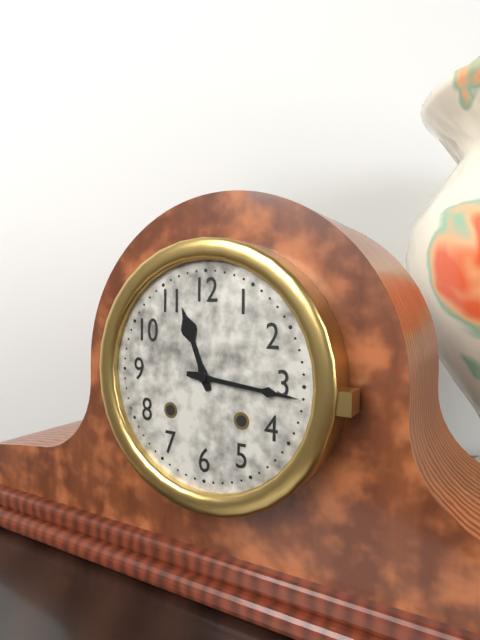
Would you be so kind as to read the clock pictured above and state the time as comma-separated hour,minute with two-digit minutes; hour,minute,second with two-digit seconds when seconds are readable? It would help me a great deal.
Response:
11,16
